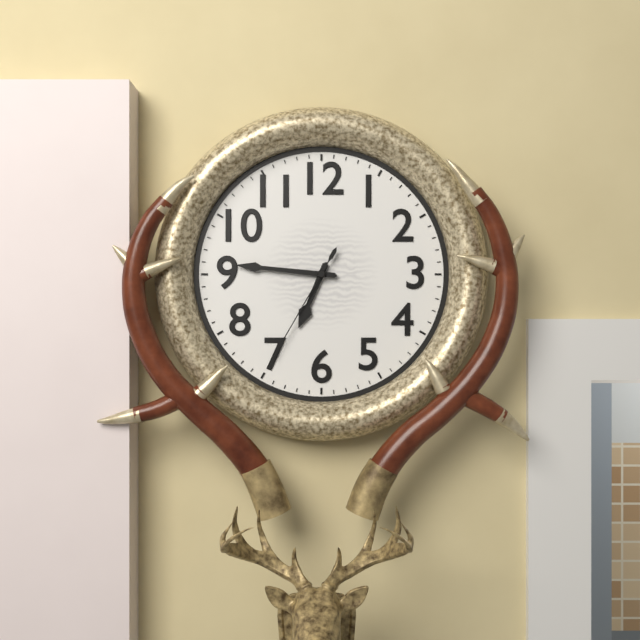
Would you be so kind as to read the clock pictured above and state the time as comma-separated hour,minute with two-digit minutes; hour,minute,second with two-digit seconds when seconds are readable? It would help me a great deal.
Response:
6,46,35
